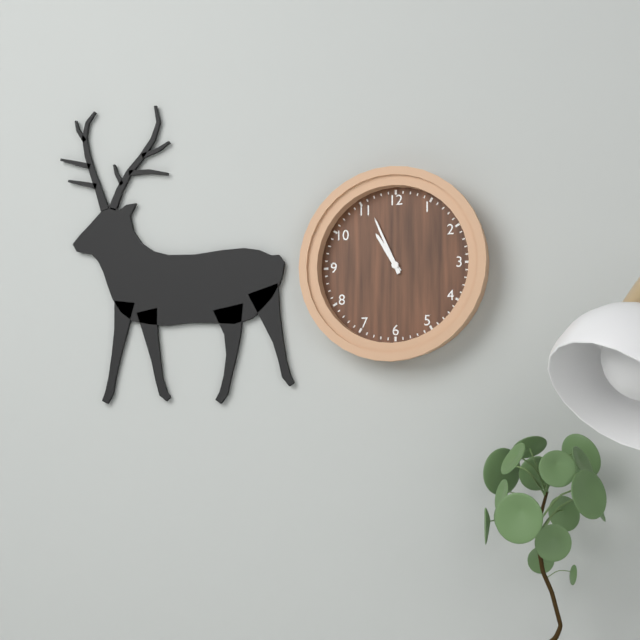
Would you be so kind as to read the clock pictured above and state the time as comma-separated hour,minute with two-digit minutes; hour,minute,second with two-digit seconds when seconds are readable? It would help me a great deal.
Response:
10,56
